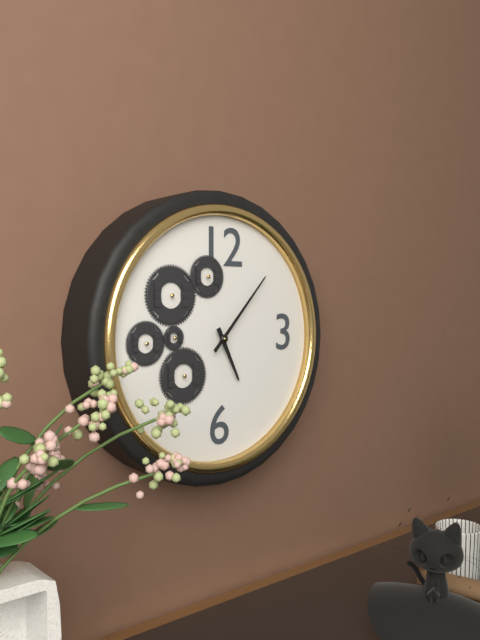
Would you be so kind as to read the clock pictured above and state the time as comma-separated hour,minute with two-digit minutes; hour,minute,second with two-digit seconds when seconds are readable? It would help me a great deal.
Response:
5,07
